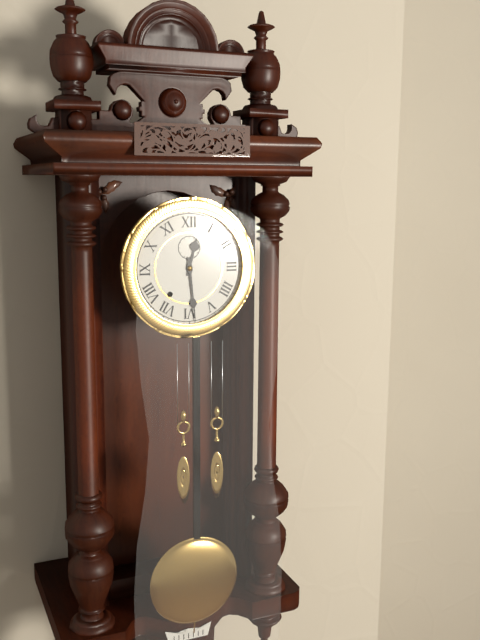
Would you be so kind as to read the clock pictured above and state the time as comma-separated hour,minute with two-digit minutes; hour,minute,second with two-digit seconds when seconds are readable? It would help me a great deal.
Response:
12,29
